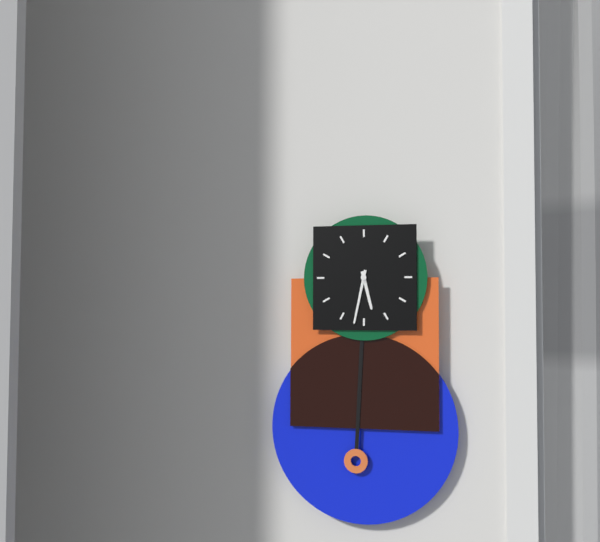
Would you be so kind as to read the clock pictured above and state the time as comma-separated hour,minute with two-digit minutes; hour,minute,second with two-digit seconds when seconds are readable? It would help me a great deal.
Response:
5,32
